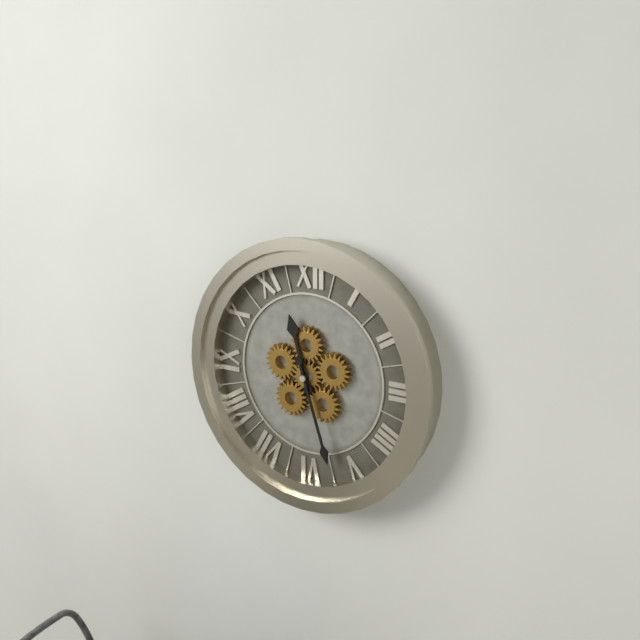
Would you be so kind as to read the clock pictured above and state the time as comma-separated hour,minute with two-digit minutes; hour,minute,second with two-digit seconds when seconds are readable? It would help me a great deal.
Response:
11,27
